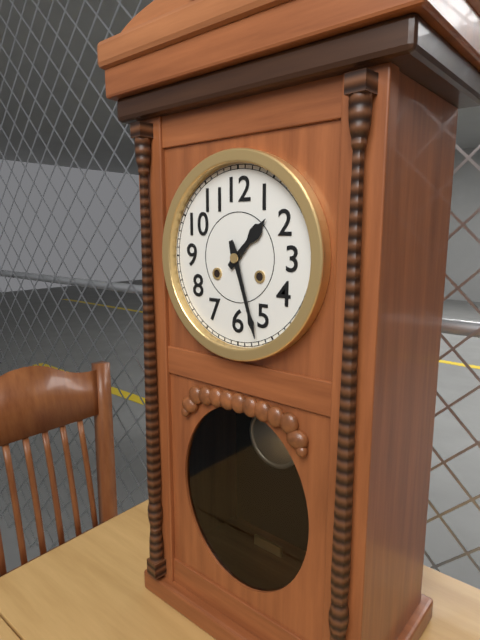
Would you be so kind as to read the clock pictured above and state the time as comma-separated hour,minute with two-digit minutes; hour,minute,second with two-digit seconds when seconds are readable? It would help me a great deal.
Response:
1,27
